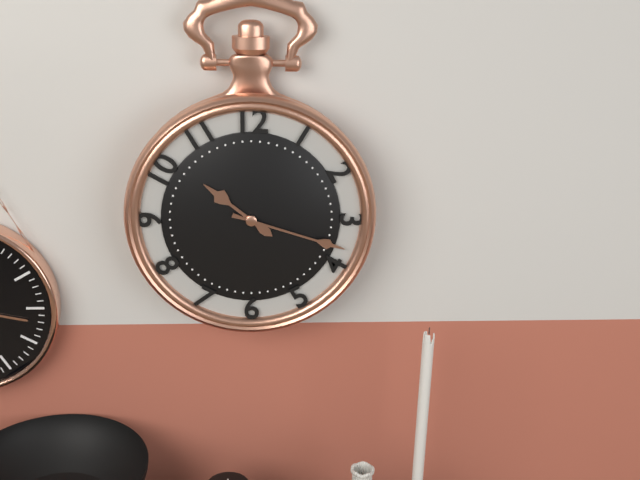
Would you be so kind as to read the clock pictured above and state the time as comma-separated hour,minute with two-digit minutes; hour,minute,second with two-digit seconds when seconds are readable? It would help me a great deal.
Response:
10,18
